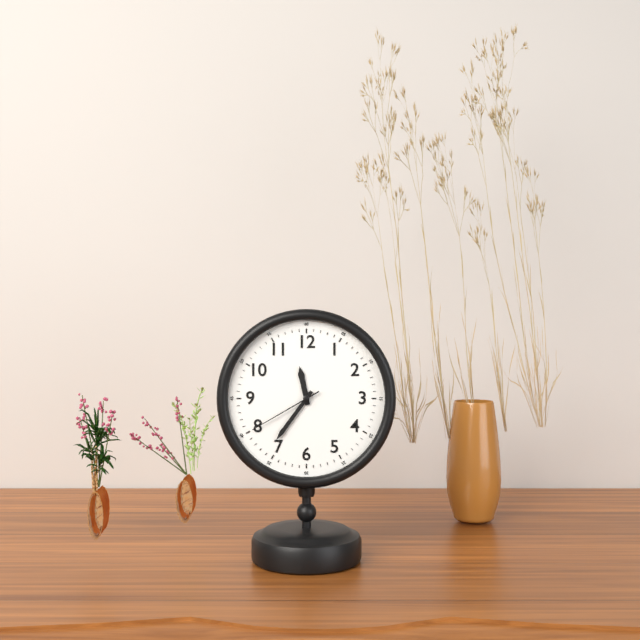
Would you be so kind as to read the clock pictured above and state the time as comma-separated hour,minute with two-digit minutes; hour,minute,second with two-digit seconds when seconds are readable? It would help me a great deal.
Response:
11,36,40
